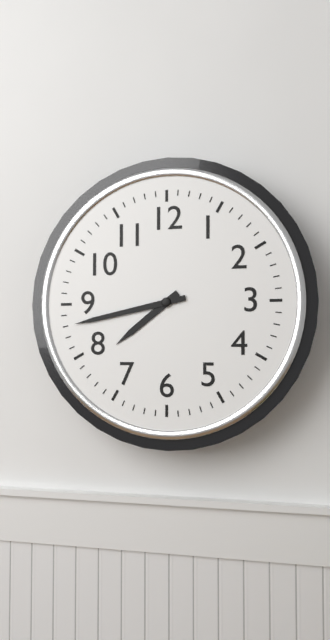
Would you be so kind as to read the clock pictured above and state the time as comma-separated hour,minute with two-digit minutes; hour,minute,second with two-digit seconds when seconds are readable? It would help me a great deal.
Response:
7,43
